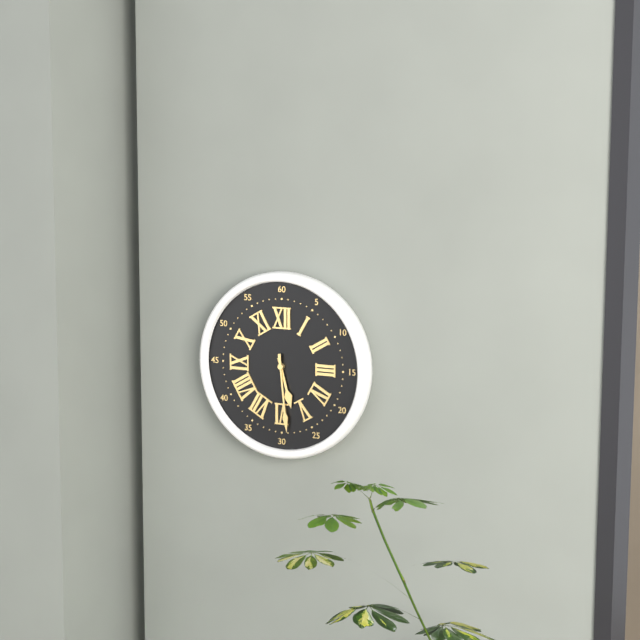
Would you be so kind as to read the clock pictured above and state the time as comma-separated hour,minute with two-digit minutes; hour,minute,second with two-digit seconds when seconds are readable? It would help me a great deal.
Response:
5,29
